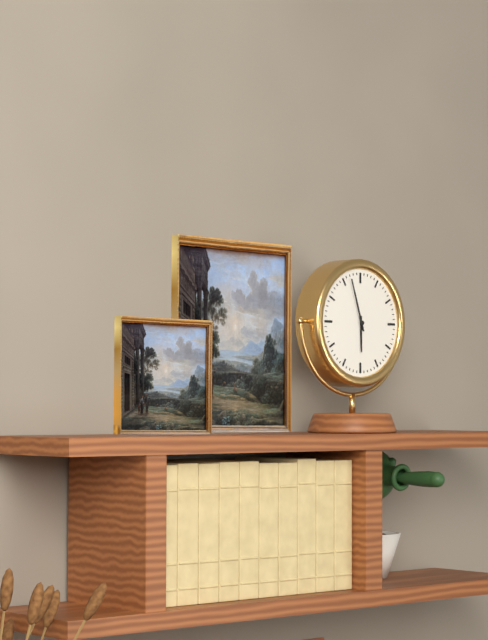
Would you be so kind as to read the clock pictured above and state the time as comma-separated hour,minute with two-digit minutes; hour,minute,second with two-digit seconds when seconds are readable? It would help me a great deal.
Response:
5,57
